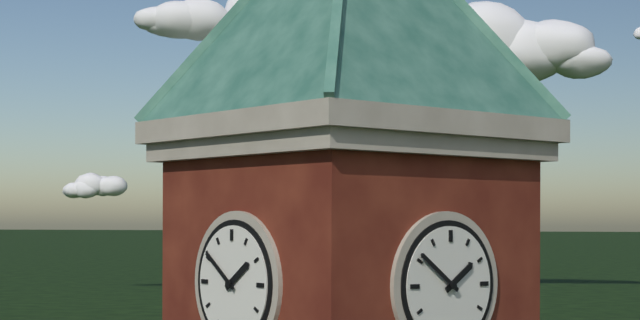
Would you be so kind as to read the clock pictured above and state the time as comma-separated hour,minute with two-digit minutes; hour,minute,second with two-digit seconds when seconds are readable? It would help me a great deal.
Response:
1,51
